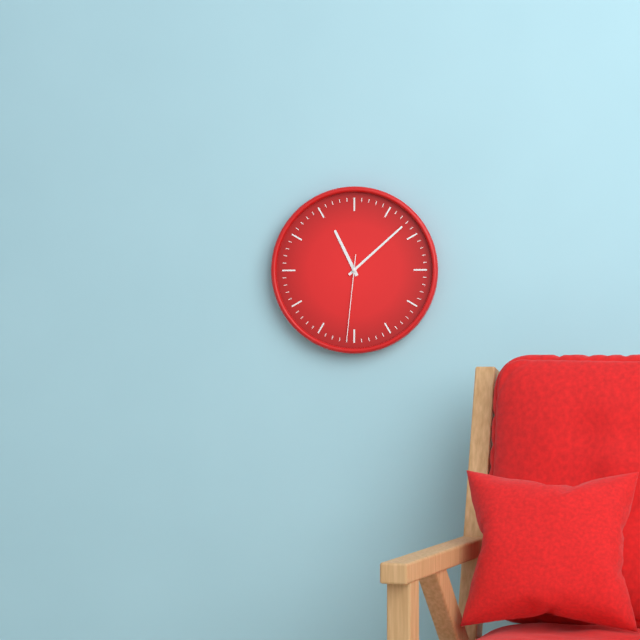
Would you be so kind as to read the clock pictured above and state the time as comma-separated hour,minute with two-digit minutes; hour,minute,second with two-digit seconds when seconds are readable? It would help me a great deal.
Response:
11,08,31
